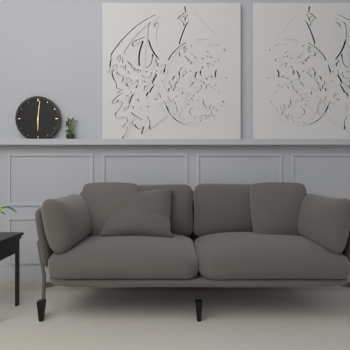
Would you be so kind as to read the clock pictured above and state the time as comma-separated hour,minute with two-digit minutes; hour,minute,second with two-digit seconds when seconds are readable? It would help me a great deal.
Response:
6,01
